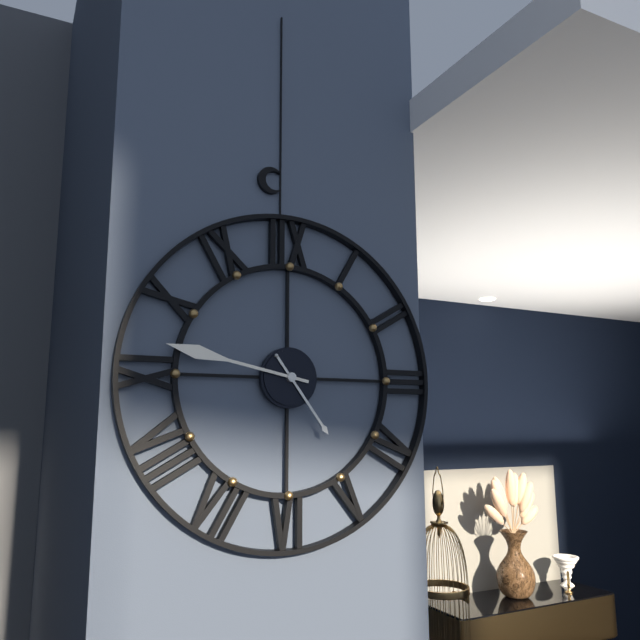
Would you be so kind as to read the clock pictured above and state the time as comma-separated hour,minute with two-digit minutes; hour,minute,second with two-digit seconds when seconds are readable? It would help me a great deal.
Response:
4,47
